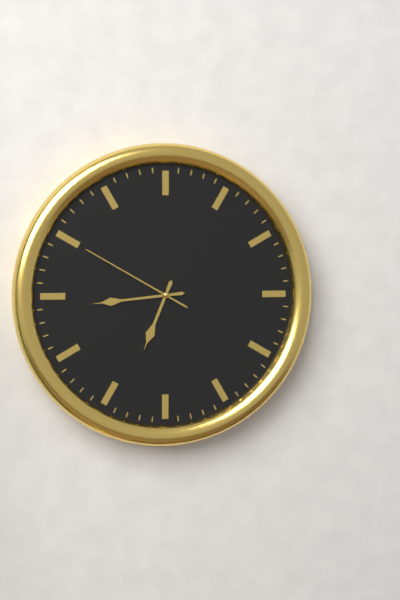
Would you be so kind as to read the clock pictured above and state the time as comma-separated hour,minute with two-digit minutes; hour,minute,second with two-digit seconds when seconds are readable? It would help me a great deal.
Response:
6,44,50
